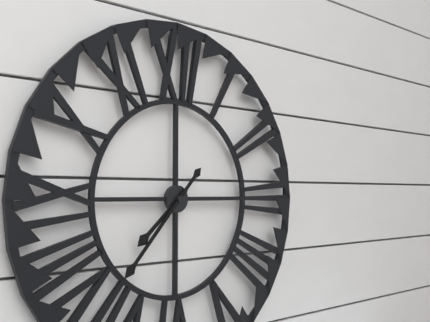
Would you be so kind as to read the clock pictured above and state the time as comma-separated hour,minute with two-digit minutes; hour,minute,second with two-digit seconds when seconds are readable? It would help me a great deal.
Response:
7,37
